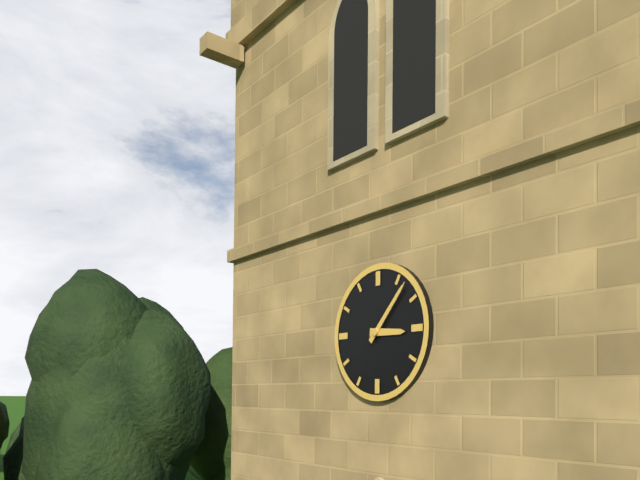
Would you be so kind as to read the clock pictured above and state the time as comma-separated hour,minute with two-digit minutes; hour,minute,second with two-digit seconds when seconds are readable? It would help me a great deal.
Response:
3,07
